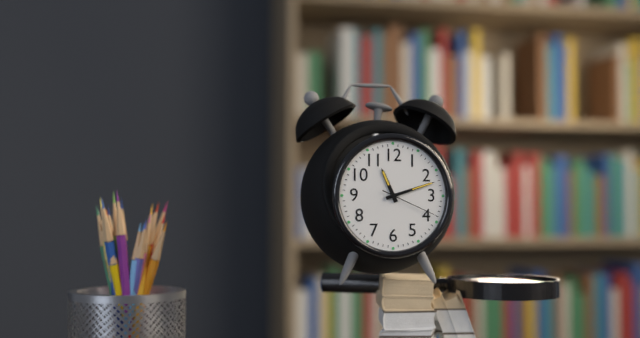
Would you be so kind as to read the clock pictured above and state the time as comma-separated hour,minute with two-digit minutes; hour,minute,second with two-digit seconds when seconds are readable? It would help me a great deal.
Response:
11,12,19
